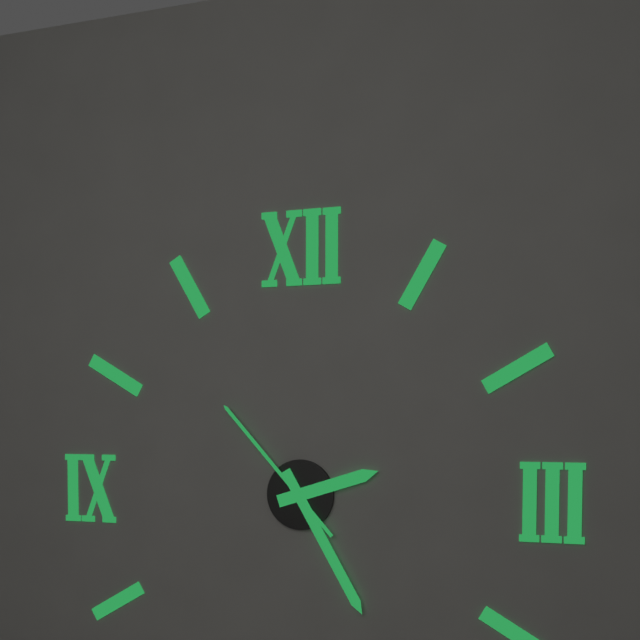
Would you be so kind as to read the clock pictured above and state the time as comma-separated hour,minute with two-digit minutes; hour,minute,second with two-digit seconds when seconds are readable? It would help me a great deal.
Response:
2,25,53
